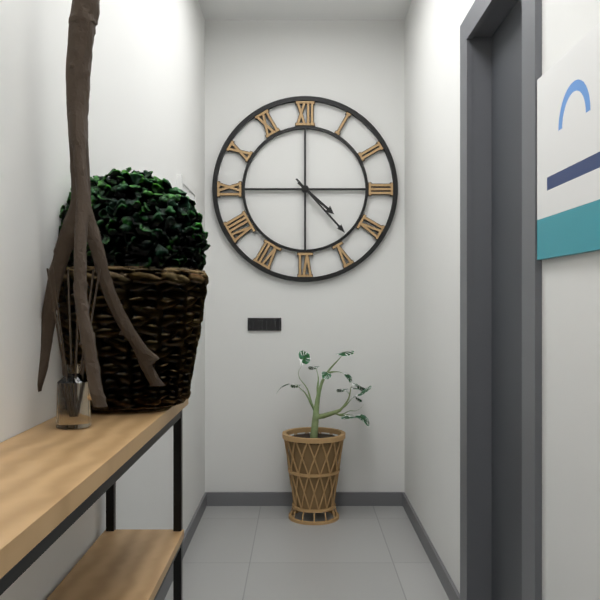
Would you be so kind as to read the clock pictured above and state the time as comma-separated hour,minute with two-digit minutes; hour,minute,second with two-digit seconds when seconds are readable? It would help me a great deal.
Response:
4,23
